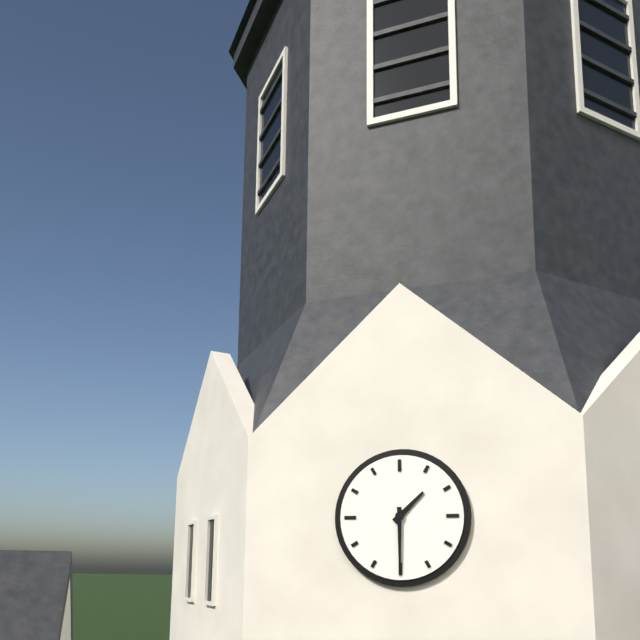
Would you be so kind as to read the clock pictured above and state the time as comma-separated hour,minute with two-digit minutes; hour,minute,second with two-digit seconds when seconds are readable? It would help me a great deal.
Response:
1,30
